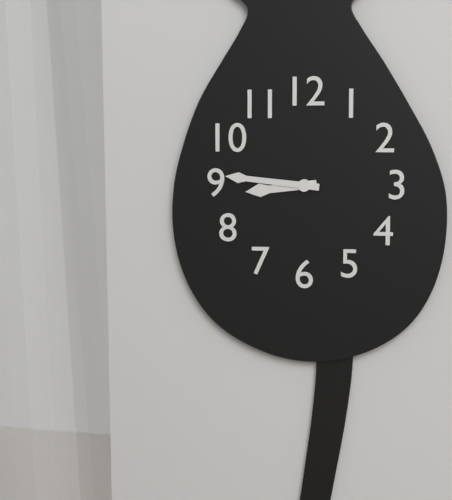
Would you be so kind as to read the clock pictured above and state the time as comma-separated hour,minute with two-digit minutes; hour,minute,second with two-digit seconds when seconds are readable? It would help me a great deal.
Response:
8,46
